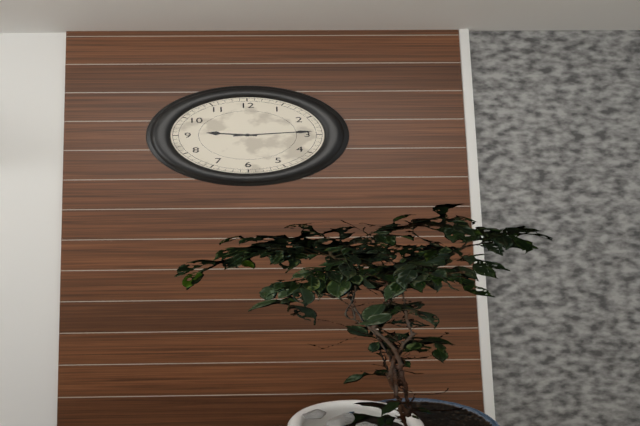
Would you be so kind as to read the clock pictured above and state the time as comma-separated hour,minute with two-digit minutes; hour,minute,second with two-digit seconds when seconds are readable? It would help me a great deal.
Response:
9,14
